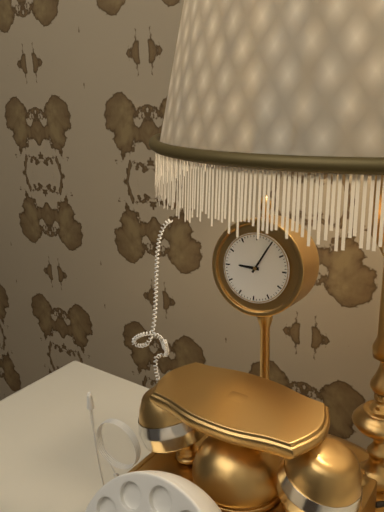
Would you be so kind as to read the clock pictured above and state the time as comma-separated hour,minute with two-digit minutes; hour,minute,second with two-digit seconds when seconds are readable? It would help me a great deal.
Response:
9,05
